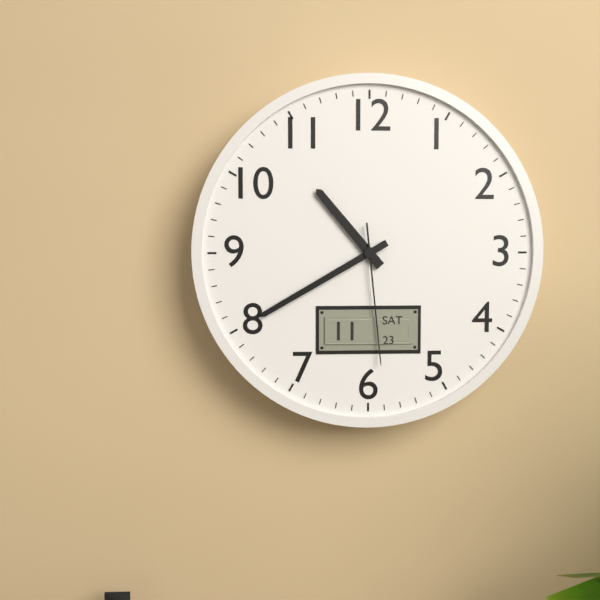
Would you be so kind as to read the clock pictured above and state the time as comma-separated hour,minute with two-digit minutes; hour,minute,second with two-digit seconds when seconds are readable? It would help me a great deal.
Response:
10,40,29
